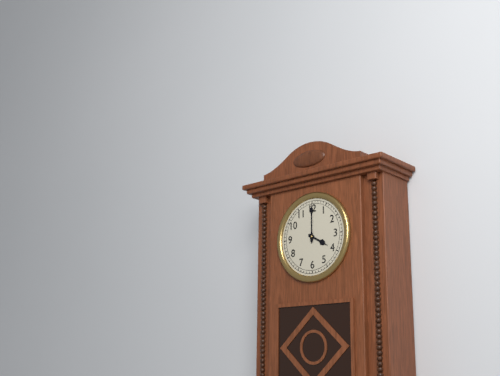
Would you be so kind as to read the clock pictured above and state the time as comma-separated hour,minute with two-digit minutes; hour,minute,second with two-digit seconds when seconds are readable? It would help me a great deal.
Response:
4,00
